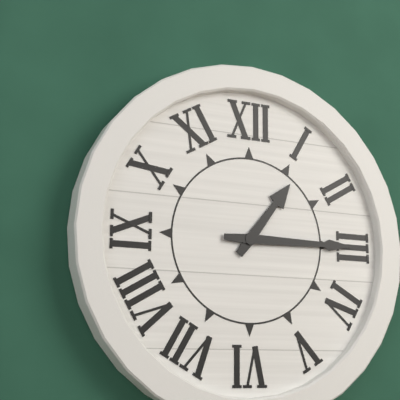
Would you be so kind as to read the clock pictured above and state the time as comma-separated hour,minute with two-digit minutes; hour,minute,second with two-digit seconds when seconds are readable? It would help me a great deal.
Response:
1,15
